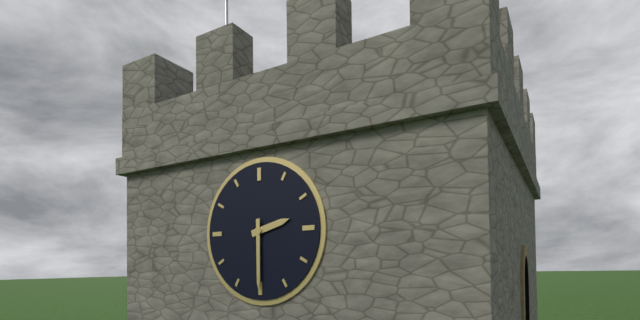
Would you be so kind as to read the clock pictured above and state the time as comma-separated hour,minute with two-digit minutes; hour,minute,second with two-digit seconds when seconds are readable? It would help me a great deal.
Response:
2,30
